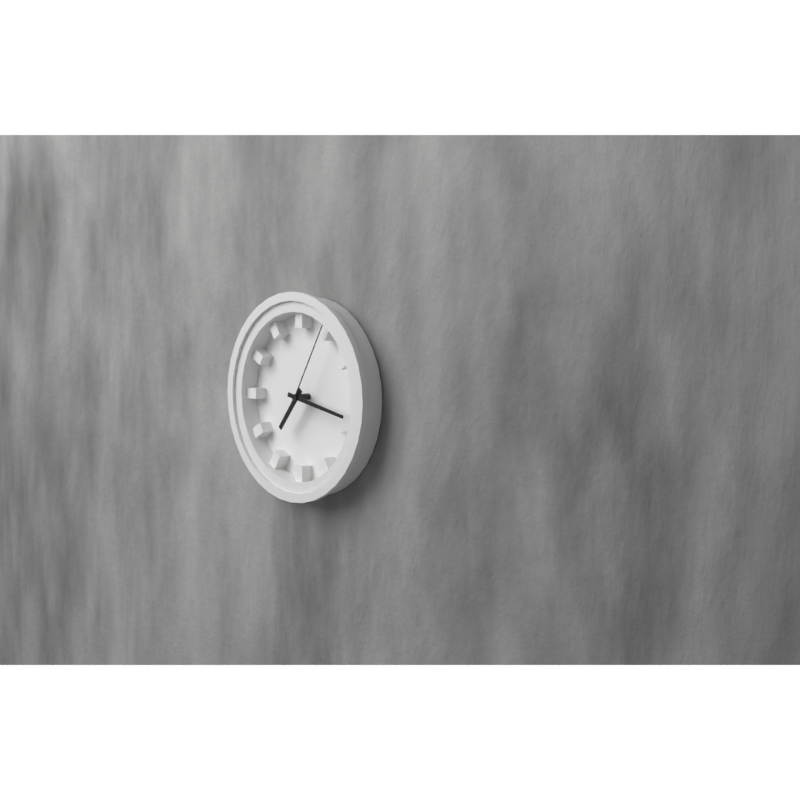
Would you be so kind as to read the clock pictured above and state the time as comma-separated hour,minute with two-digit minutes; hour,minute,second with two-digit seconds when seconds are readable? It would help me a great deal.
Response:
7,17,05
